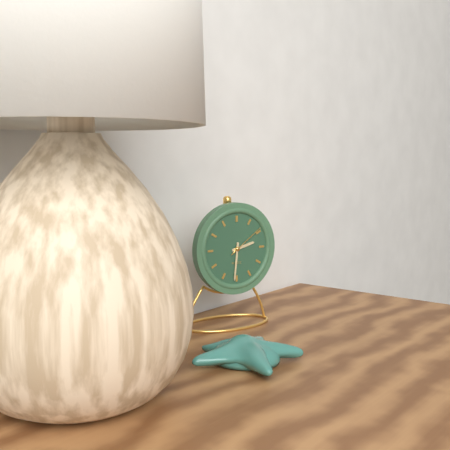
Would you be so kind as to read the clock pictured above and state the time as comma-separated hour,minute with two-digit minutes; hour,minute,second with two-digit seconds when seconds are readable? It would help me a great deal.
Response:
2,31
